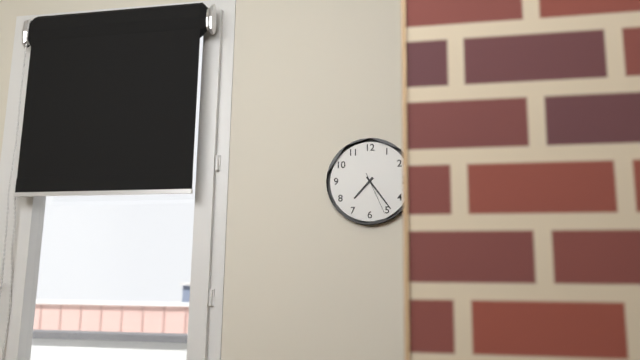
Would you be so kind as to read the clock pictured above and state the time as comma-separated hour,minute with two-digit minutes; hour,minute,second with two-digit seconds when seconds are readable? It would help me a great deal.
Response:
7,24
